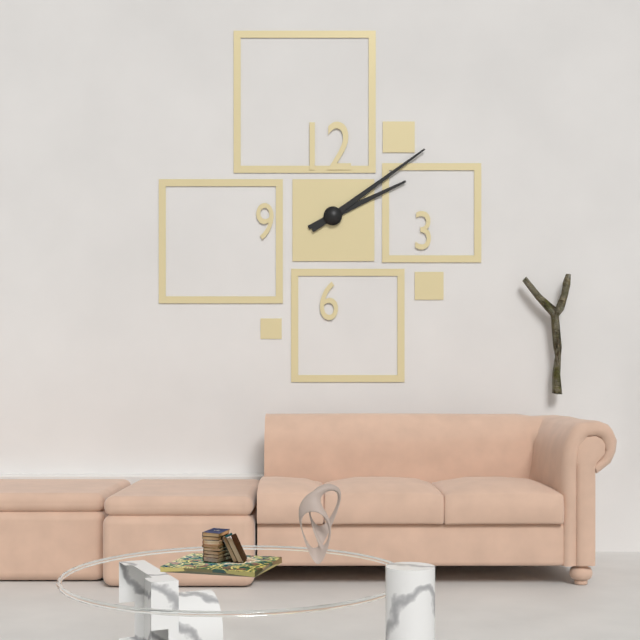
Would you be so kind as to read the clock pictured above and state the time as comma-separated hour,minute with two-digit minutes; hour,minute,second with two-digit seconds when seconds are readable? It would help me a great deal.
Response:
2,09
